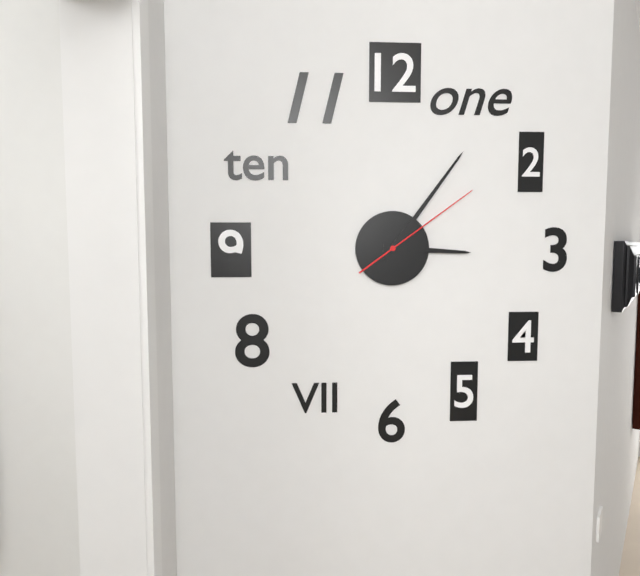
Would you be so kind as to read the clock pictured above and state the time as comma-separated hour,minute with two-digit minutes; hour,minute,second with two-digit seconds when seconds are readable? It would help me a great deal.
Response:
3,06,09
